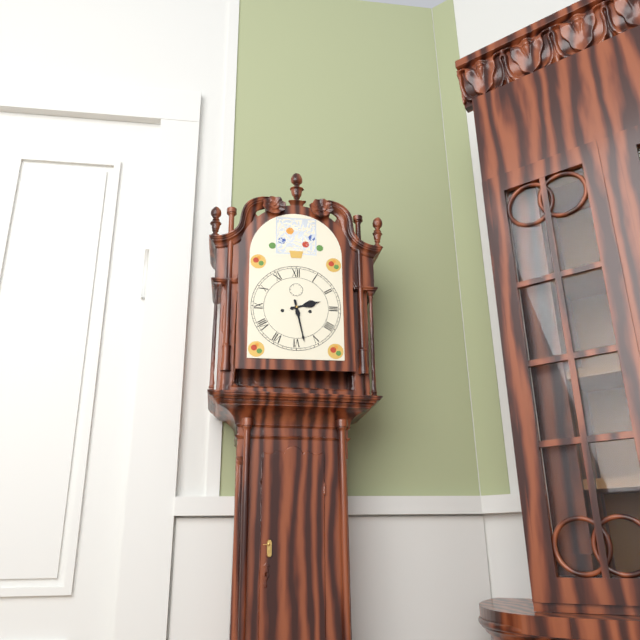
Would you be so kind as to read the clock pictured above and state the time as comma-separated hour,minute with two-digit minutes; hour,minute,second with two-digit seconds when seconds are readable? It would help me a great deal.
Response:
2,28
